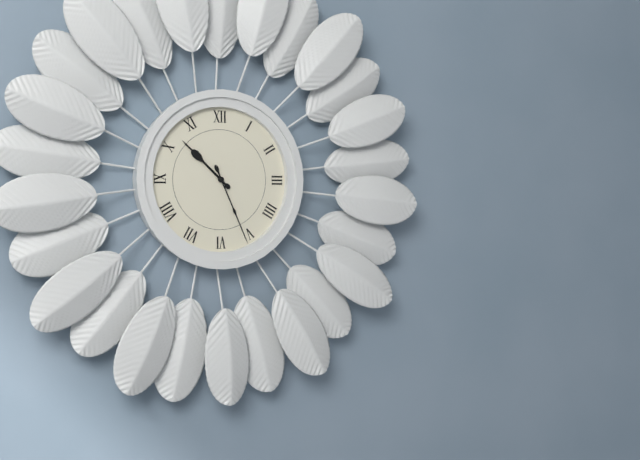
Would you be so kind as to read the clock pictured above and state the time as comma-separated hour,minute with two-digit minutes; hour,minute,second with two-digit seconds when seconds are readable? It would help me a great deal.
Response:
10,26
